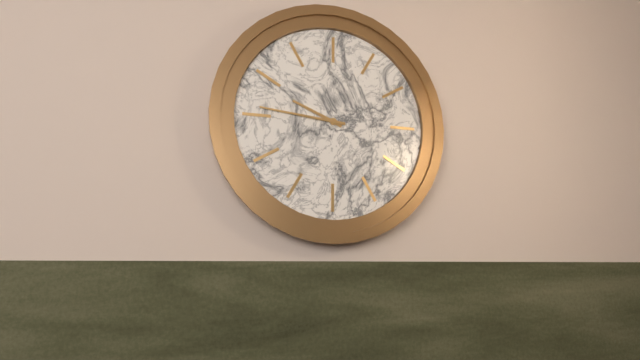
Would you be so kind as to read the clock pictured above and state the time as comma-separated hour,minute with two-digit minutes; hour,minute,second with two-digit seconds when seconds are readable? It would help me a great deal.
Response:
9,46
